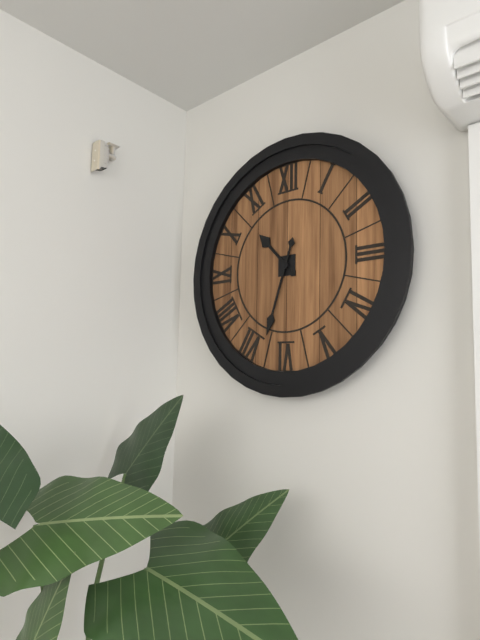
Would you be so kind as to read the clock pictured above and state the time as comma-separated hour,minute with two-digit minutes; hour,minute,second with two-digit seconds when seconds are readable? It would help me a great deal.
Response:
10,33
